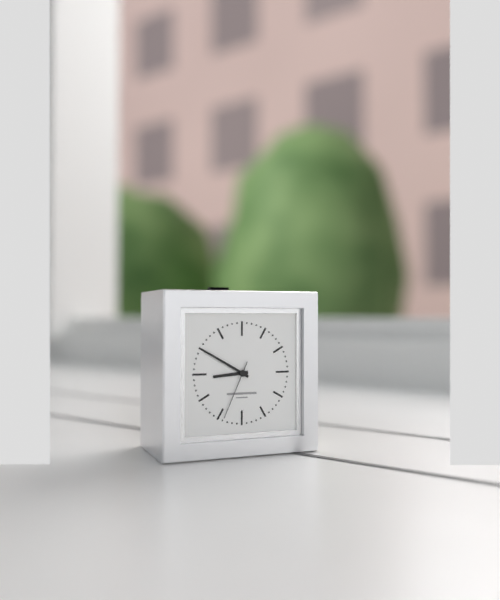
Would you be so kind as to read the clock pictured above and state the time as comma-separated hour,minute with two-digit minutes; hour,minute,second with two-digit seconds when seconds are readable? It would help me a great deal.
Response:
8,50,34
